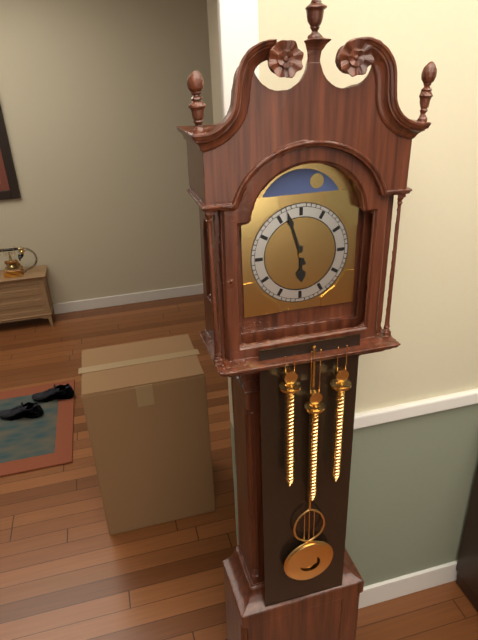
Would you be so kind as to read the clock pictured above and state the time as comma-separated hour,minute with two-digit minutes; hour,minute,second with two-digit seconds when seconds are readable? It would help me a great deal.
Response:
5,57
